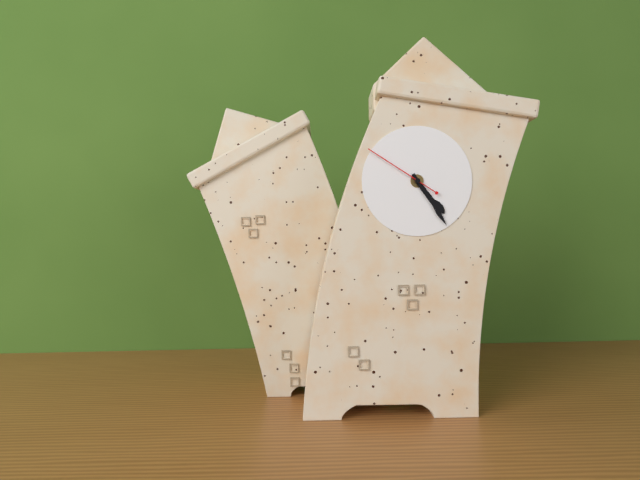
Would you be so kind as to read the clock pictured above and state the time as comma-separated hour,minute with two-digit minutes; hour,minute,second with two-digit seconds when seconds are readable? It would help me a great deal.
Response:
4,23,49
